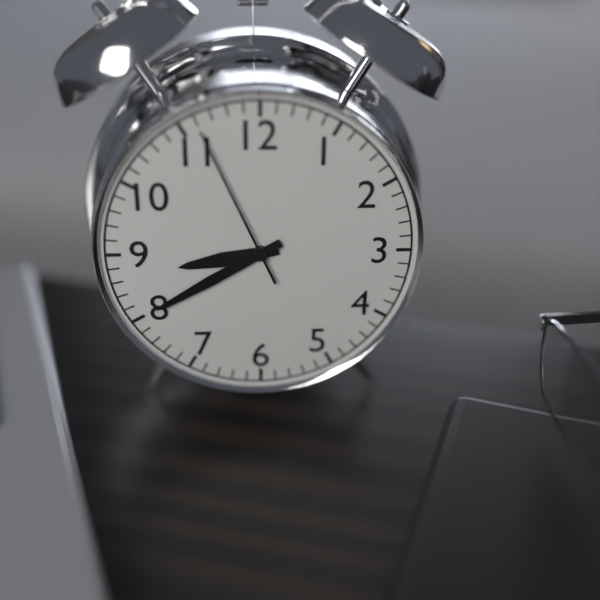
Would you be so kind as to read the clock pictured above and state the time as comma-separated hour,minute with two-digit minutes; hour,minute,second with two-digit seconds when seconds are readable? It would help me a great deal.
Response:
8,40,56
